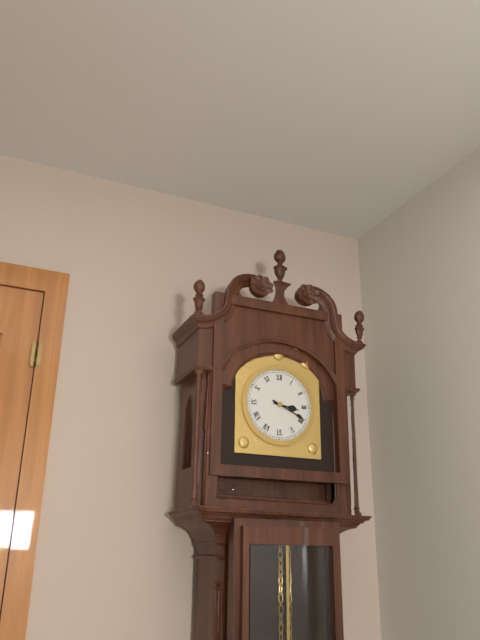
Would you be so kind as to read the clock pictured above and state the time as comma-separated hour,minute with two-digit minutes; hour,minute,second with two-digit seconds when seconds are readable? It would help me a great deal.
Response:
3,19
